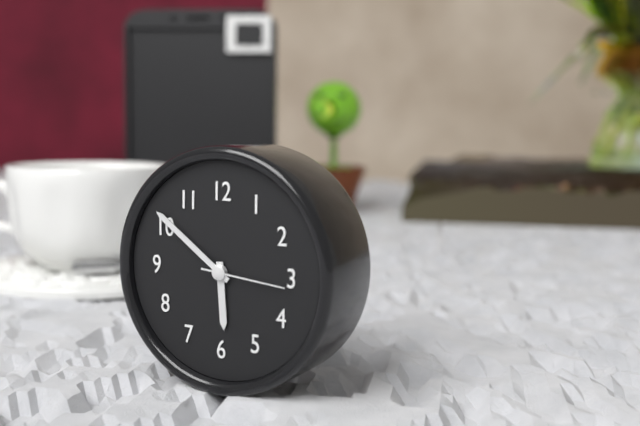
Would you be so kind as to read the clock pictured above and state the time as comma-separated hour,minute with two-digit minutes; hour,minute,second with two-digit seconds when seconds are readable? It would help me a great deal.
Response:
5,51,16
